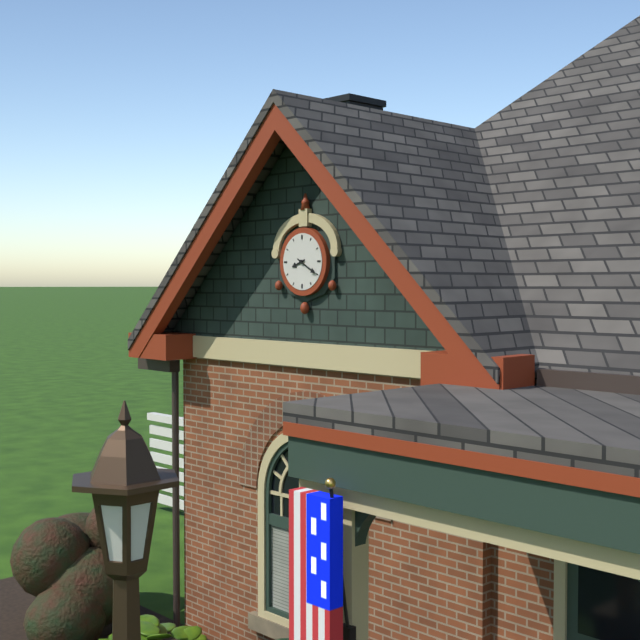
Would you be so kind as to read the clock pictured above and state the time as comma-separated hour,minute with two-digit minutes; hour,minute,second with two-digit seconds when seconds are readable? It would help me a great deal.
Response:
8,20
